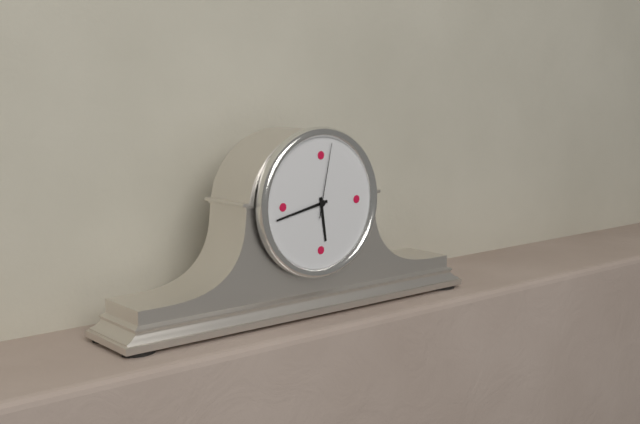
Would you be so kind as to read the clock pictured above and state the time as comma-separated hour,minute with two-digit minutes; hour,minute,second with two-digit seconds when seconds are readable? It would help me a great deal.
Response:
5,43,02
